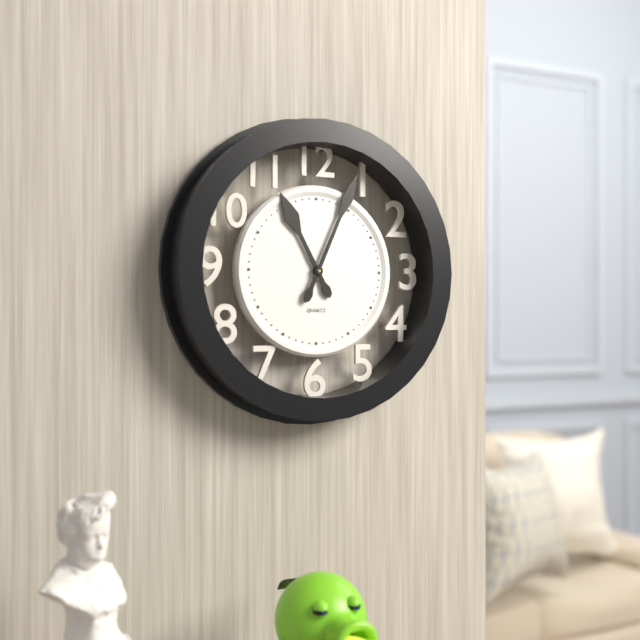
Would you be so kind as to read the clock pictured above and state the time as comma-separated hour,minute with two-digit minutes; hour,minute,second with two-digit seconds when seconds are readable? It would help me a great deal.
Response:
11,04
